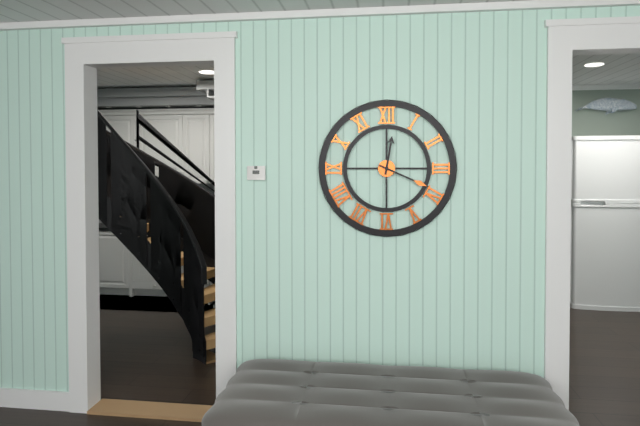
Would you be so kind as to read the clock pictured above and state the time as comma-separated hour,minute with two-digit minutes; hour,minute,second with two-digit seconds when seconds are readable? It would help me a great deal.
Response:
12,19
